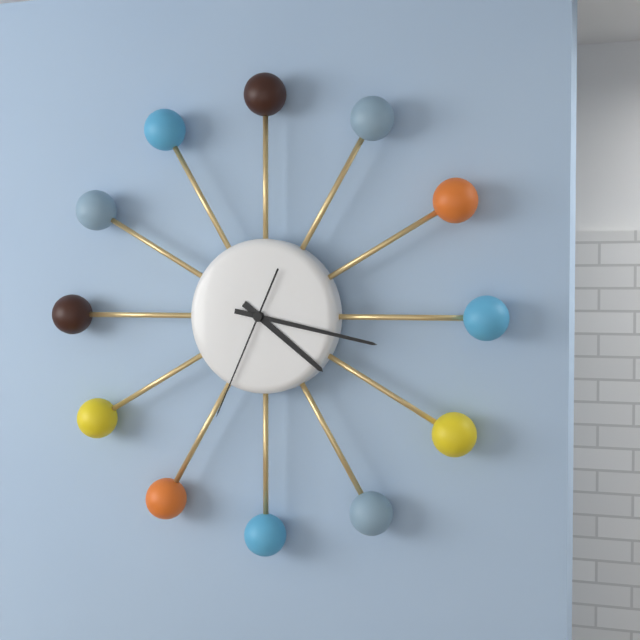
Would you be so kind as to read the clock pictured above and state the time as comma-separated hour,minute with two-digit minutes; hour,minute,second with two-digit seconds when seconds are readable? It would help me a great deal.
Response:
4,17,34
